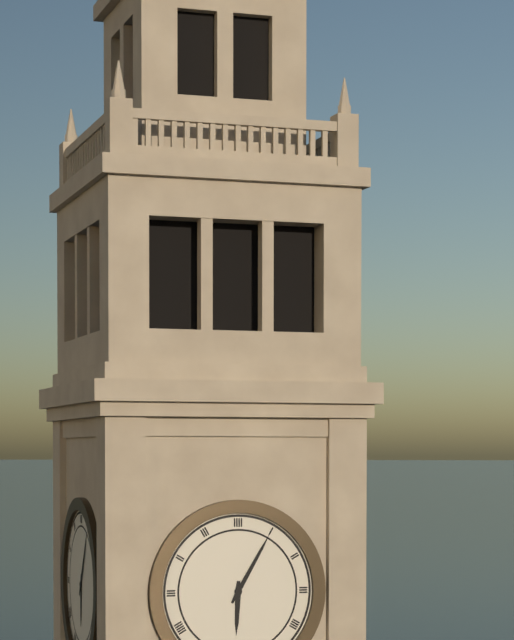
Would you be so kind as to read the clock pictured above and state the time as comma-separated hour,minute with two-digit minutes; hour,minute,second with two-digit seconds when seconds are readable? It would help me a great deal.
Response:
6,05
